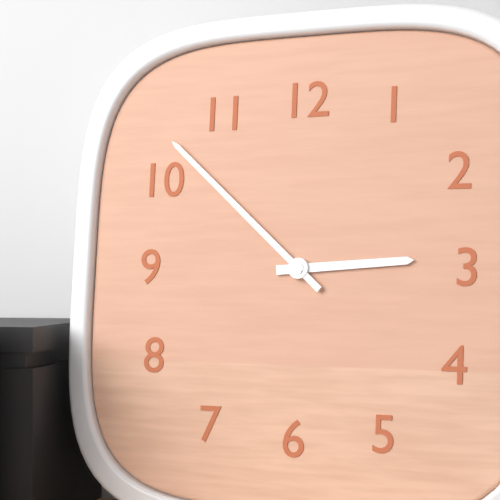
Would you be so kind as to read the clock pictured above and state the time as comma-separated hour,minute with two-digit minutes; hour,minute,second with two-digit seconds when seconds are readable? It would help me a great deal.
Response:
2,52
